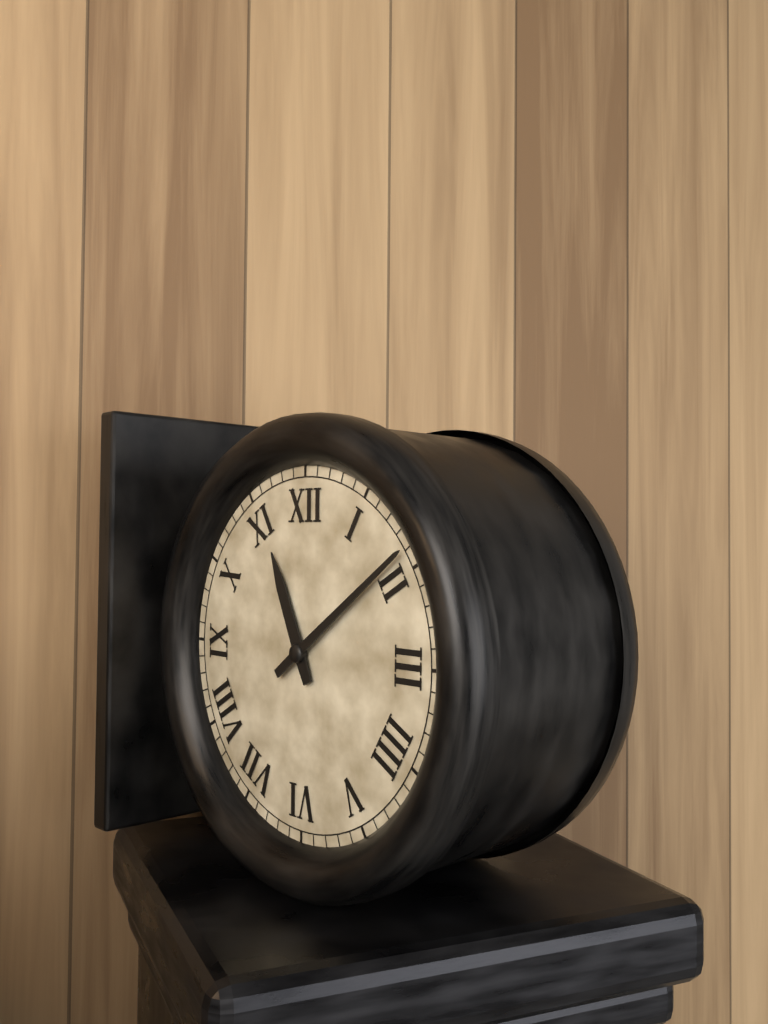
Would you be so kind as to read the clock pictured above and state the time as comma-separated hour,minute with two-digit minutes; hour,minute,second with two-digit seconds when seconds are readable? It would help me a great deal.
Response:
11,09
